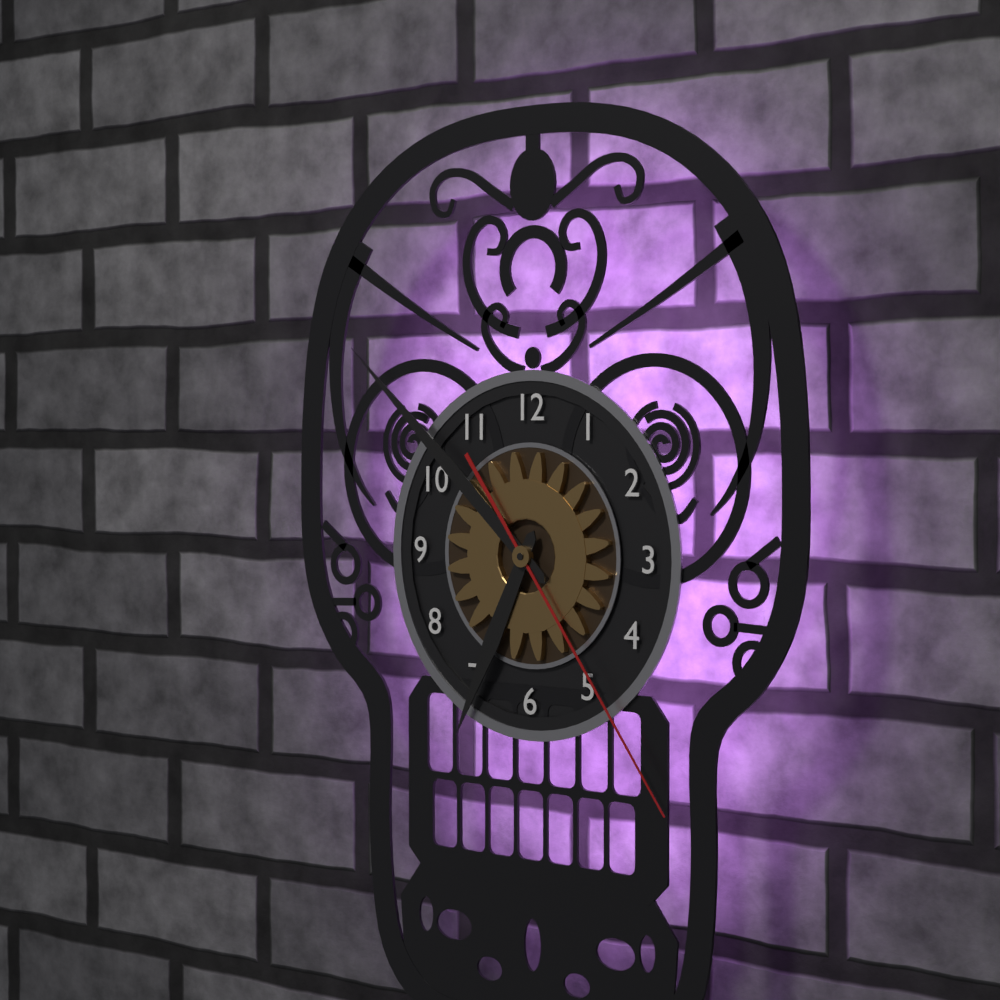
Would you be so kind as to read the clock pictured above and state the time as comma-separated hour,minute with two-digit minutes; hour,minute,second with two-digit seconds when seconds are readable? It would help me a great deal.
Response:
6,52,24
